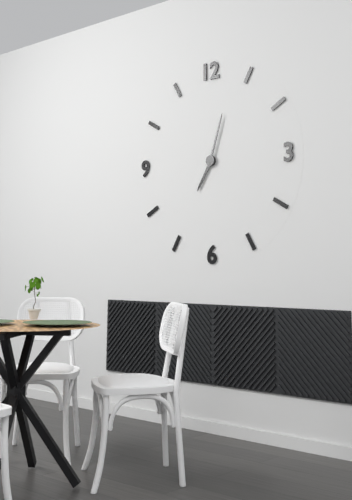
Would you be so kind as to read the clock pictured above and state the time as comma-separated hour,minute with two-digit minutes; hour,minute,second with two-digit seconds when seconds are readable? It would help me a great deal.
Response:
7,03
